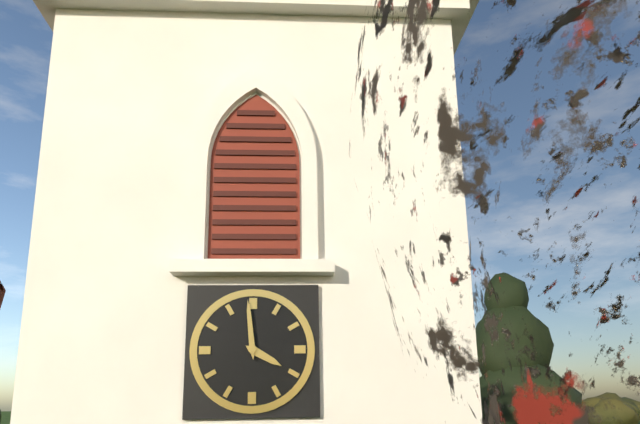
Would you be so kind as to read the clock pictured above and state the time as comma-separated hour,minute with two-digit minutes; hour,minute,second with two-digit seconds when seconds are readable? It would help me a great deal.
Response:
3,59
